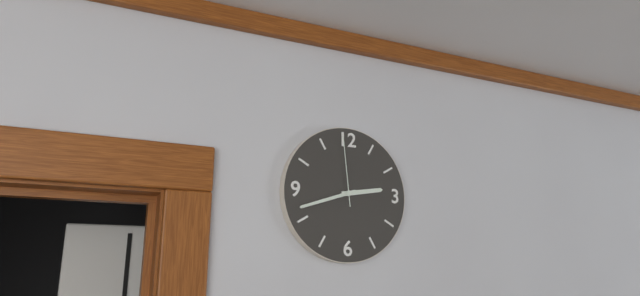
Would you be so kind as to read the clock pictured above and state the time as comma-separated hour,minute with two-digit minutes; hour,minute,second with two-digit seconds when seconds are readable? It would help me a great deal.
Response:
2,42,59
